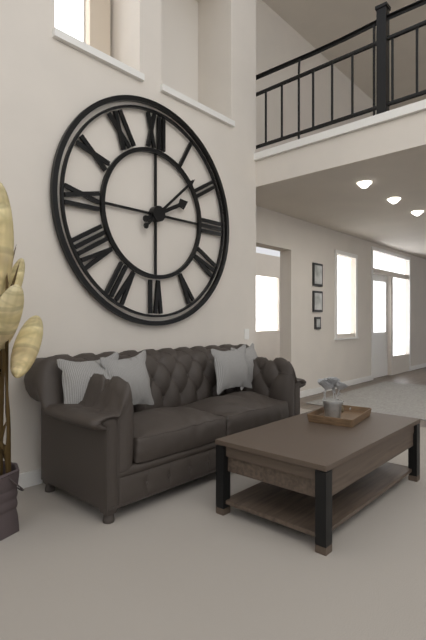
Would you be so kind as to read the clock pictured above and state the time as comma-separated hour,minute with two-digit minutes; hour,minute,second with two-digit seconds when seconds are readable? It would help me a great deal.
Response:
2,08
